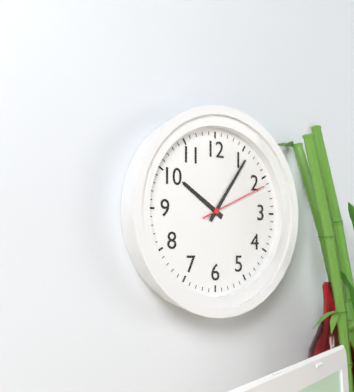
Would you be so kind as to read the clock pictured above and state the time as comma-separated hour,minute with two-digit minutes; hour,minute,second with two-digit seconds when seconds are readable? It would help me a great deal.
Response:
10,06,11
